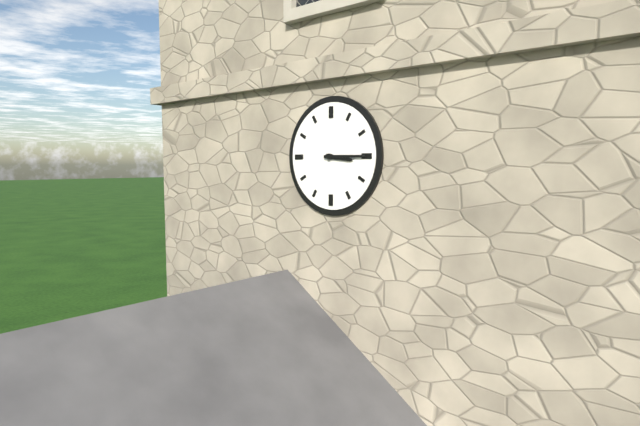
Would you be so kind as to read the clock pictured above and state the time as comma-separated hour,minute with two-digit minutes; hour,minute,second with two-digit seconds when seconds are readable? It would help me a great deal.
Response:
3,15
